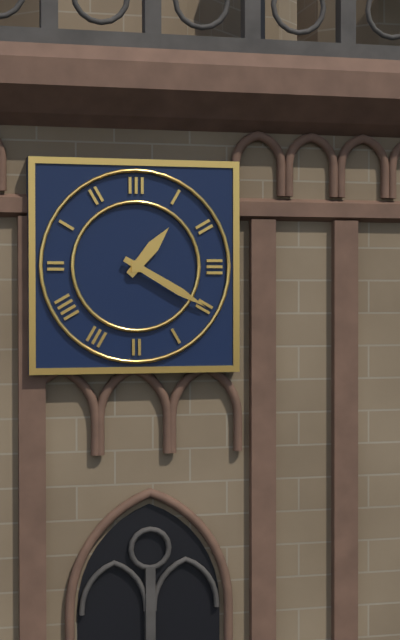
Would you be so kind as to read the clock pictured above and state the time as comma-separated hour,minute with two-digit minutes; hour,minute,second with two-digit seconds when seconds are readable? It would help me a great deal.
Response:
1,20
